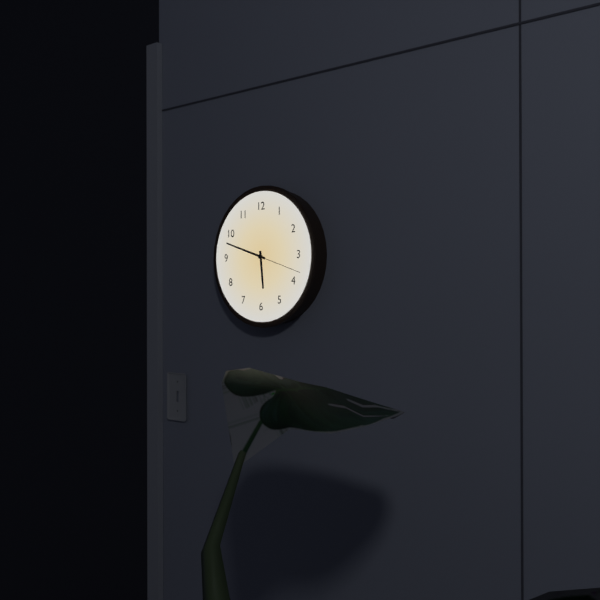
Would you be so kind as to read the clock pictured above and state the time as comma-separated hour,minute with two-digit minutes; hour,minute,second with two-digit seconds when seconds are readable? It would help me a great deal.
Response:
5,48,18
